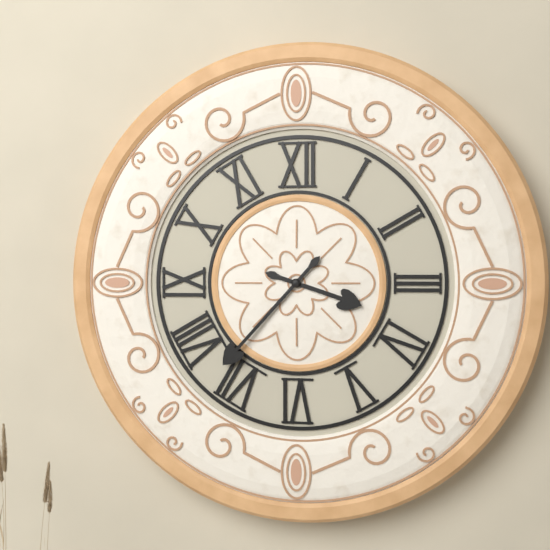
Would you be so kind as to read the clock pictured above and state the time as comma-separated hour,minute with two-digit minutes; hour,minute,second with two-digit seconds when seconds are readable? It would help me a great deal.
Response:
3,37
